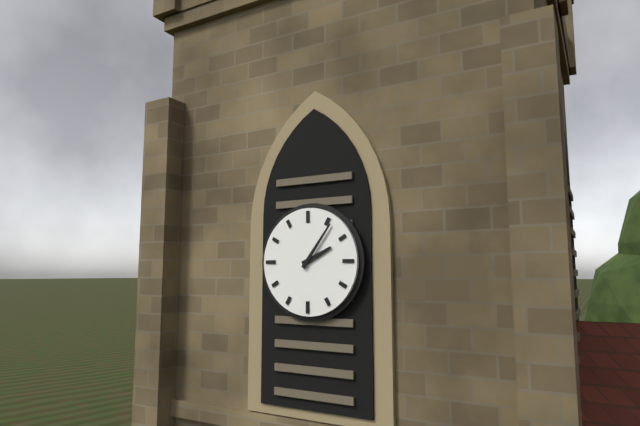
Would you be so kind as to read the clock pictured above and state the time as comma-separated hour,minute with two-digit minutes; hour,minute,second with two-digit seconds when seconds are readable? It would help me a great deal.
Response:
2,06
